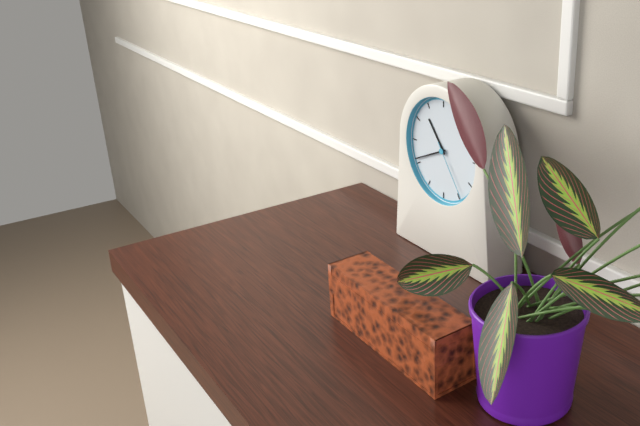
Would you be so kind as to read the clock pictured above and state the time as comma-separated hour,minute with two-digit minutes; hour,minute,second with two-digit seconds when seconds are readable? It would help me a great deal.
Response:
10,41,24
